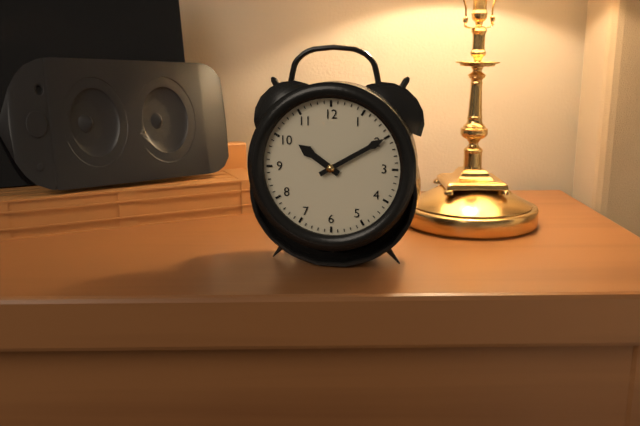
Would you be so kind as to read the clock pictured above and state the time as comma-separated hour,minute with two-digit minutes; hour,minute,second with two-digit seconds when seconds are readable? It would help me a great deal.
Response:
10,10
